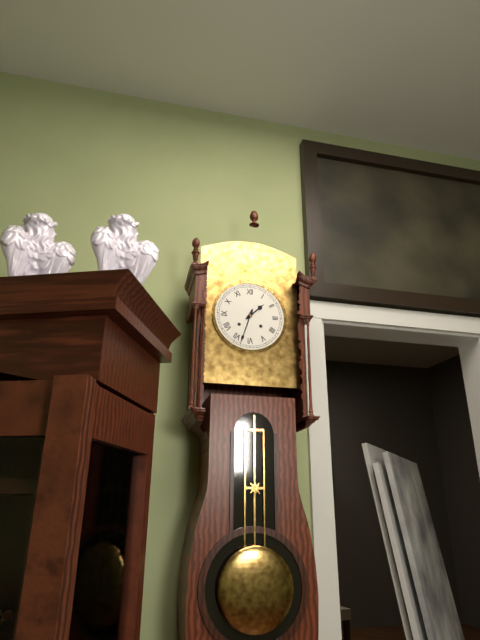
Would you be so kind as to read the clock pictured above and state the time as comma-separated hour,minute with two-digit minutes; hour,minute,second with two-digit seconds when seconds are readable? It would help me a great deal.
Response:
1,33
